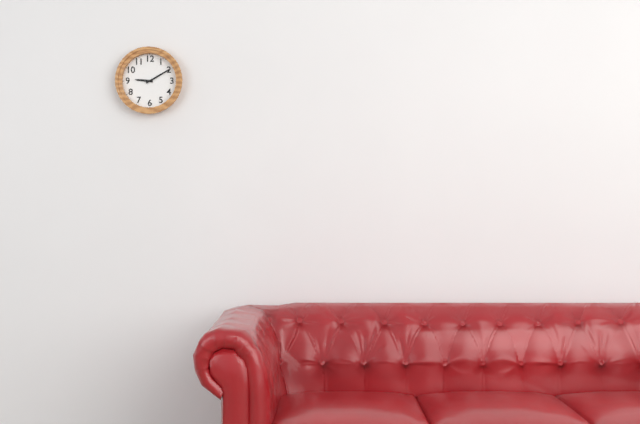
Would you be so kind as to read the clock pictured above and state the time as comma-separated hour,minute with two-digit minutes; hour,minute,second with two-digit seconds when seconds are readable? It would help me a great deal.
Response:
9,10
